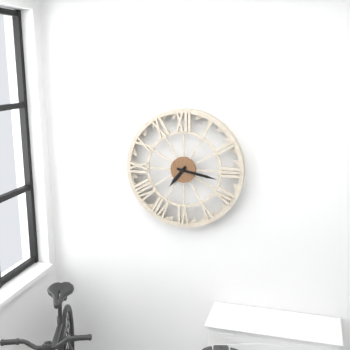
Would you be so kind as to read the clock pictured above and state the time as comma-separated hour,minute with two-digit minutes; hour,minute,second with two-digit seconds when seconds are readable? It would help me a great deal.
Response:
7,17
